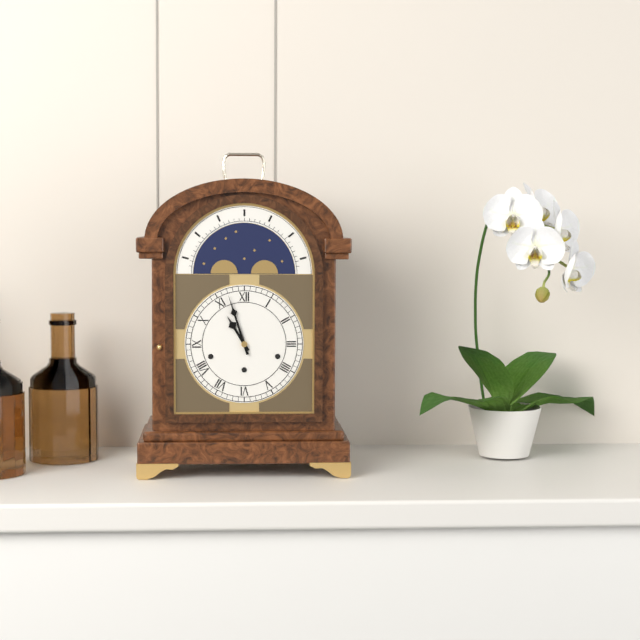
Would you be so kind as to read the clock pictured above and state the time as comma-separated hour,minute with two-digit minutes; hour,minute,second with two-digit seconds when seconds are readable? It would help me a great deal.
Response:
10,57
